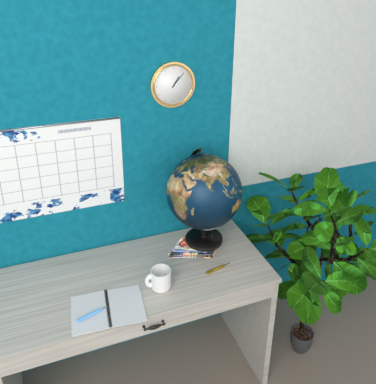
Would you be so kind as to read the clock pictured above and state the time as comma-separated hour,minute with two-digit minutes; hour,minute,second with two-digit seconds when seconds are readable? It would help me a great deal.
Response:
1,07
